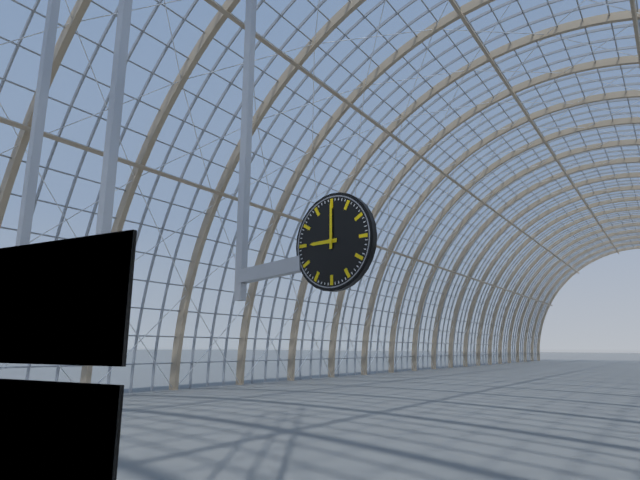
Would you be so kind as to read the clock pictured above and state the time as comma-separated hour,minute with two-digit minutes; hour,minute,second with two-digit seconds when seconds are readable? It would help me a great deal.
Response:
9,00
